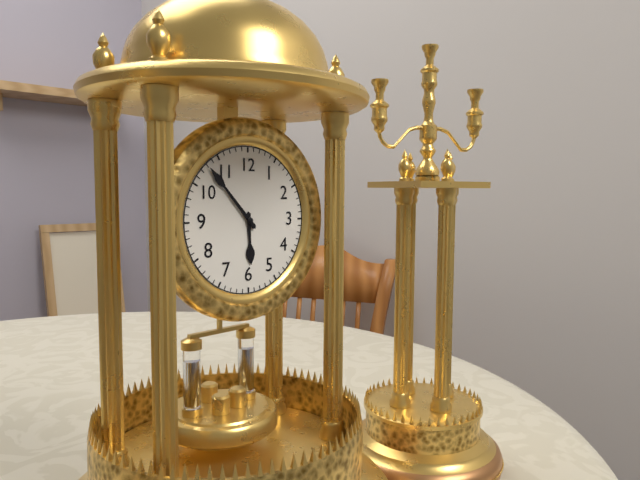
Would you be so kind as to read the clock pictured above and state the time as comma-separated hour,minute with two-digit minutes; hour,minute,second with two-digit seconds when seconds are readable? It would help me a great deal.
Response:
5,53
